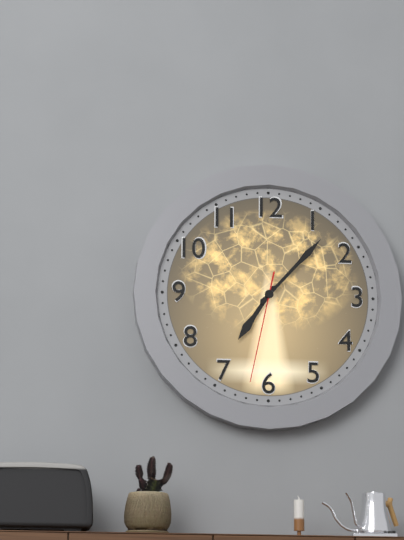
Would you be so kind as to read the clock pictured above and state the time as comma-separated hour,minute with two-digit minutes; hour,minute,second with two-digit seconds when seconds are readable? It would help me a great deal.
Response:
7,07,32
